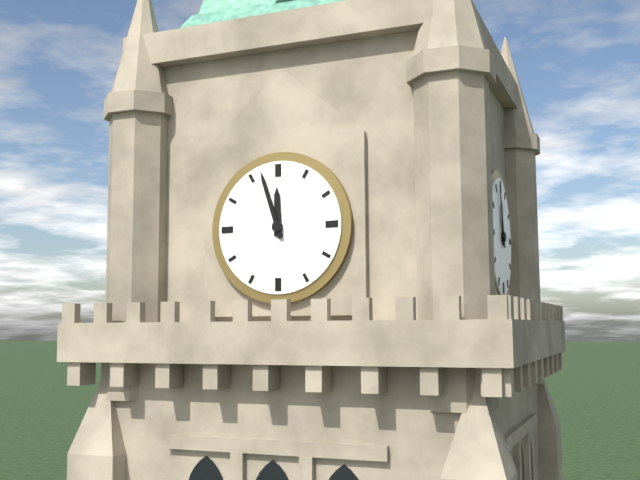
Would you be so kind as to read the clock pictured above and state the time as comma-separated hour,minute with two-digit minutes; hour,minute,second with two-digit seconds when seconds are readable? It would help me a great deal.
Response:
11,57
